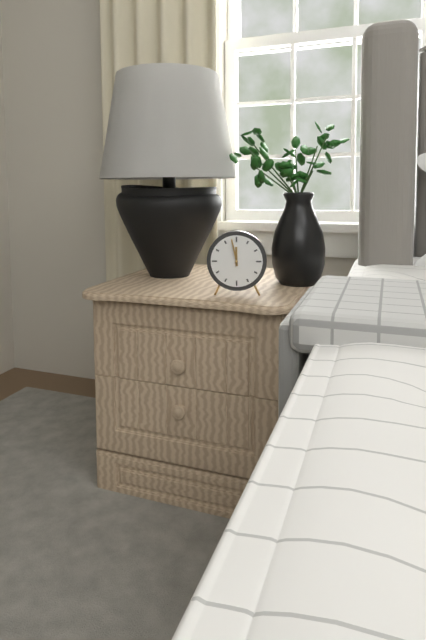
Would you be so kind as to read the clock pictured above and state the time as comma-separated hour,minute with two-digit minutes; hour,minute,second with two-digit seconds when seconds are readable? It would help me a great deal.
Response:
11,58
